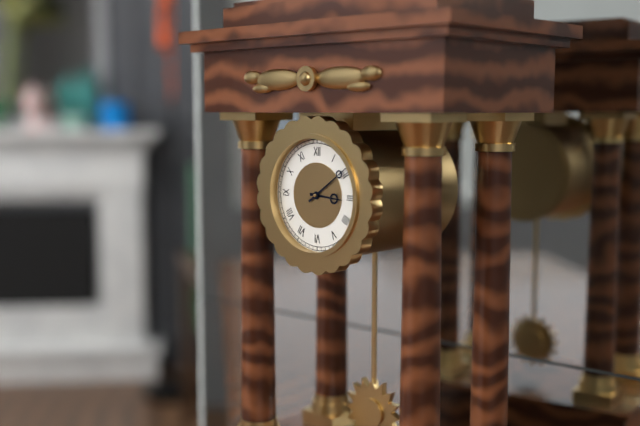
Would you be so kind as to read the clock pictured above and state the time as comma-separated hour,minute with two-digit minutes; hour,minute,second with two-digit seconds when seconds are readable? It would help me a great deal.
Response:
3,09
